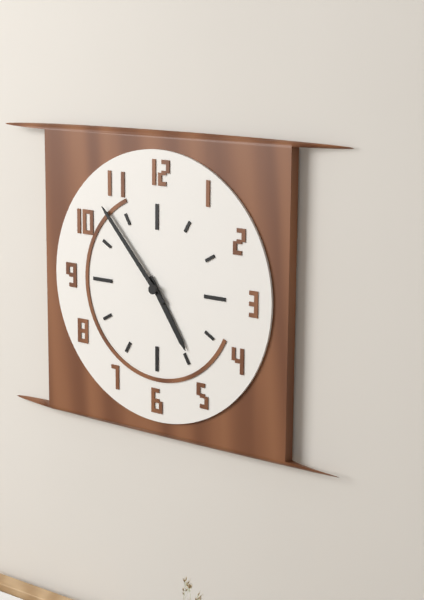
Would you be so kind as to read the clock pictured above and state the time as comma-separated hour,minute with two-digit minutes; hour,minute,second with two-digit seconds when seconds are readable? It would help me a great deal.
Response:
4,53
